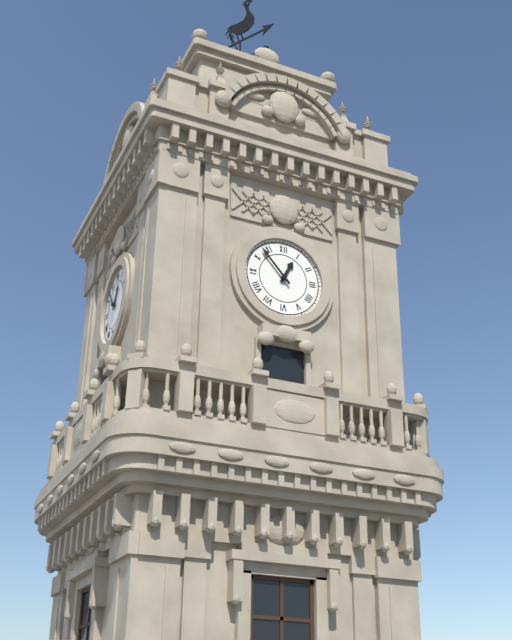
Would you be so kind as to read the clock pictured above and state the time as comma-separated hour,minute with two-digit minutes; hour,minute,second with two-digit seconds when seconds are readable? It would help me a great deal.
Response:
12,53
